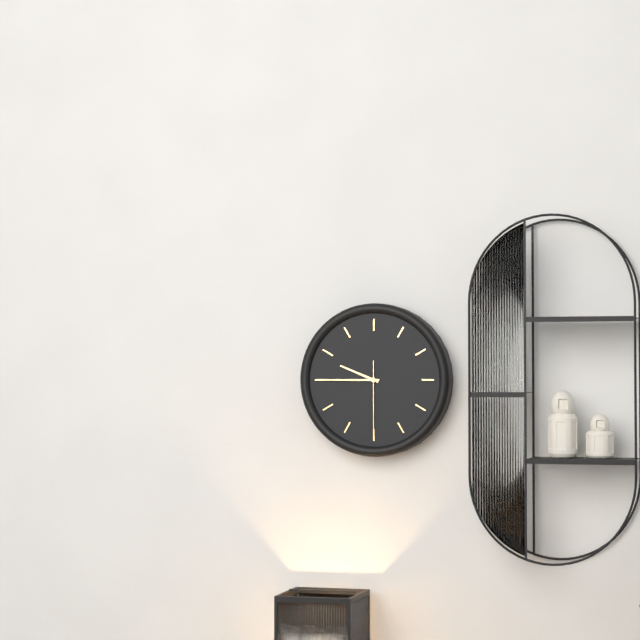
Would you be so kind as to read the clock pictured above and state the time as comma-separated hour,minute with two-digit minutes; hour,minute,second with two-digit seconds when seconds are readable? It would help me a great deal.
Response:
9,45,30
